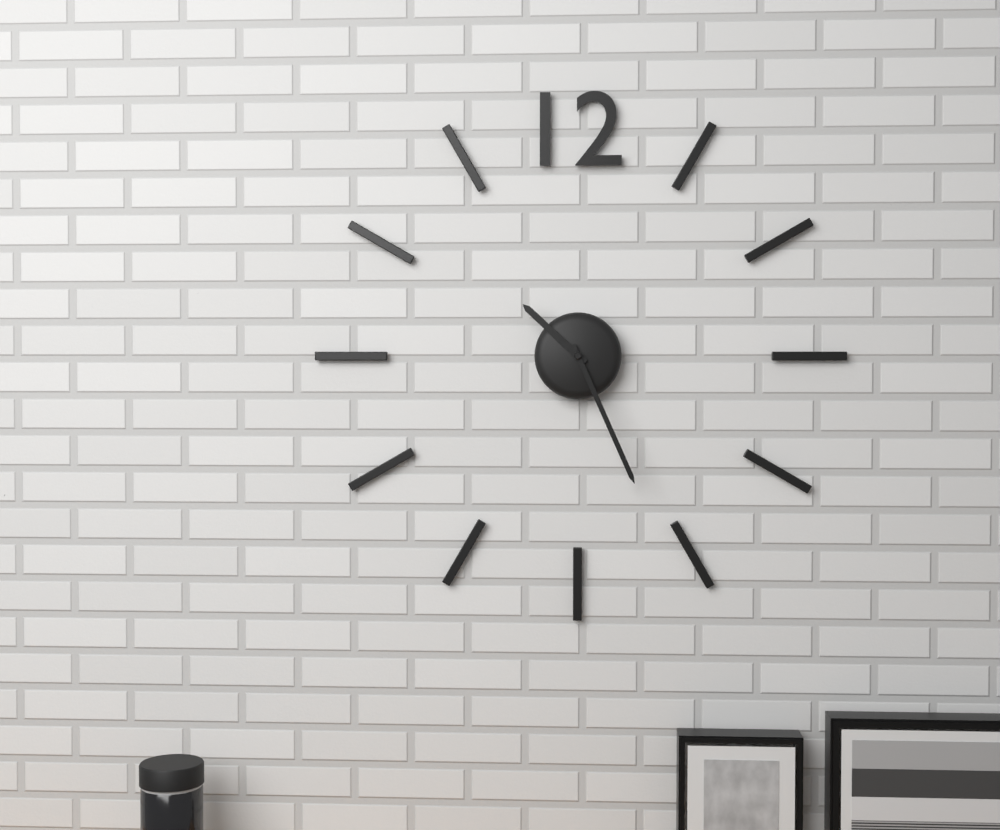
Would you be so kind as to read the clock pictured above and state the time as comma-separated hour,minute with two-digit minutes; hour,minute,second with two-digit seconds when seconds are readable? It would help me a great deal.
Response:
10,26
